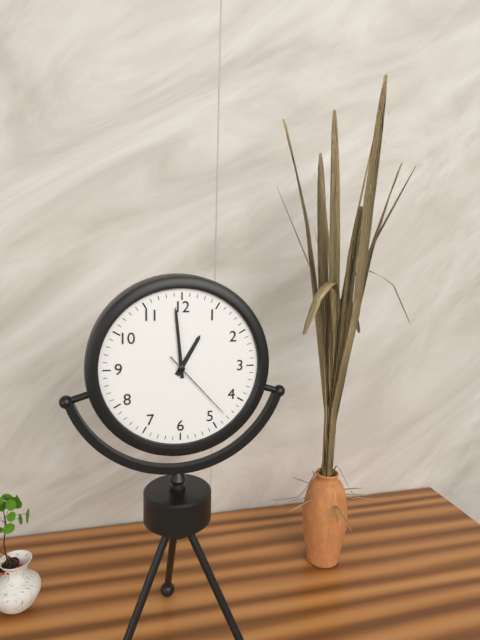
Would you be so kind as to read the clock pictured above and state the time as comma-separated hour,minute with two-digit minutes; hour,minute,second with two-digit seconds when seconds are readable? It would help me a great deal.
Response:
12,59,23
